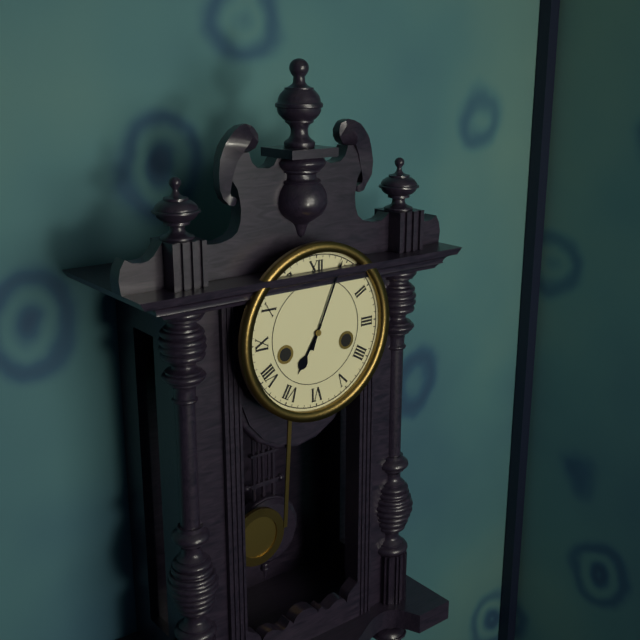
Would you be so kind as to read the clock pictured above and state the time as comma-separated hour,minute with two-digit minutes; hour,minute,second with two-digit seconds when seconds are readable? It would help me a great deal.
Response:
7,04
